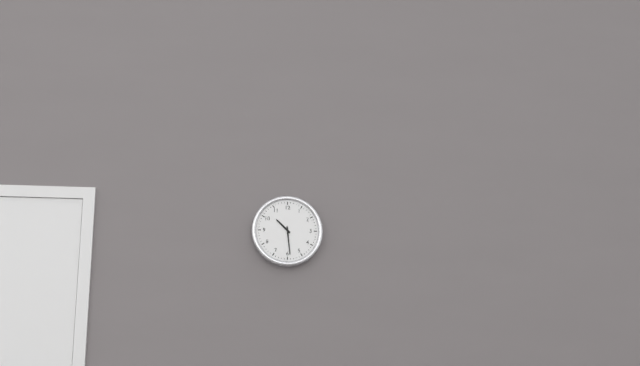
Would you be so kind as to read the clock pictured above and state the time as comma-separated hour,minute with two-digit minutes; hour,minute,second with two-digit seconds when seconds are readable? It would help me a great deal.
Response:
10,29
